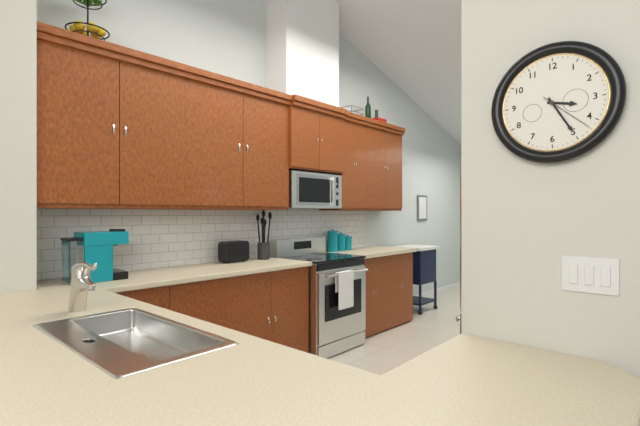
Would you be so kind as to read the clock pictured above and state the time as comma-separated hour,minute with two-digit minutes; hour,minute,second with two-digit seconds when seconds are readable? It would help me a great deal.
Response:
3,25,22
